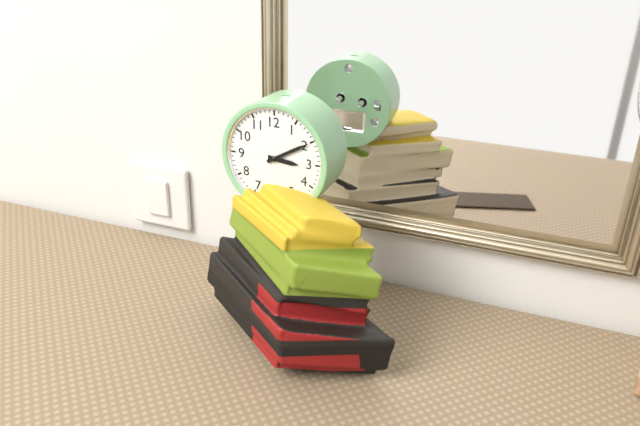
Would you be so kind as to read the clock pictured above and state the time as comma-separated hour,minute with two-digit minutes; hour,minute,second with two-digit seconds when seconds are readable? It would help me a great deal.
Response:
3,10
